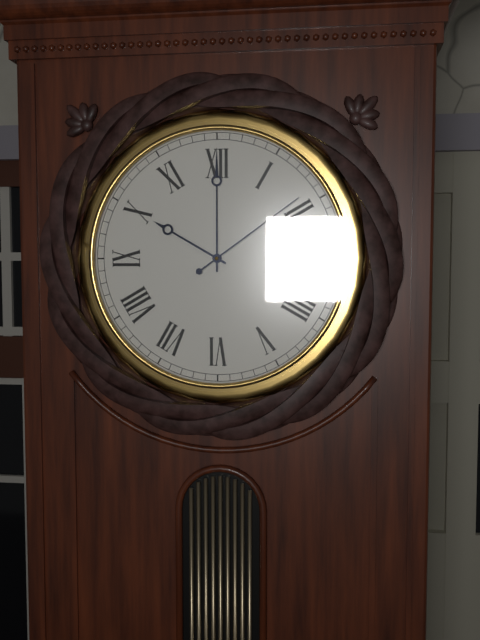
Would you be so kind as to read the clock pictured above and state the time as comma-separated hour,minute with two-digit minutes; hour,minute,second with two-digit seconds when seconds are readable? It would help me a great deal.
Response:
10,00,09
